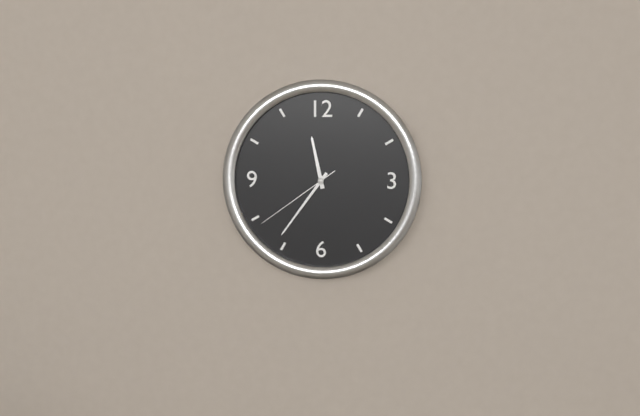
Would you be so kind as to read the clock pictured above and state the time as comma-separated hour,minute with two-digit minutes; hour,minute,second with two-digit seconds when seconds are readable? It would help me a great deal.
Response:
11,36,39
